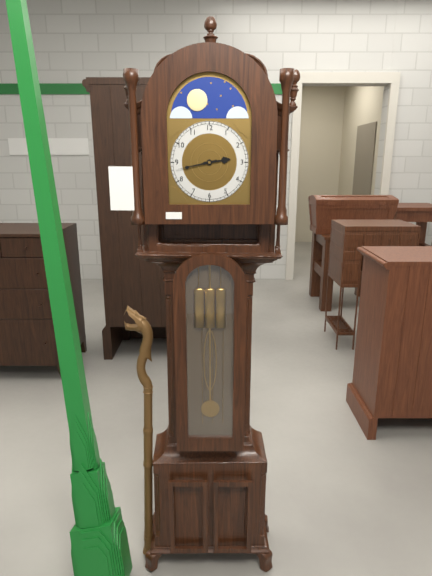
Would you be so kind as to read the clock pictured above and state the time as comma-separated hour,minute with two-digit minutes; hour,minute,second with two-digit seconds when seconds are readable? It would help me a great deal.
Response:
2,43
